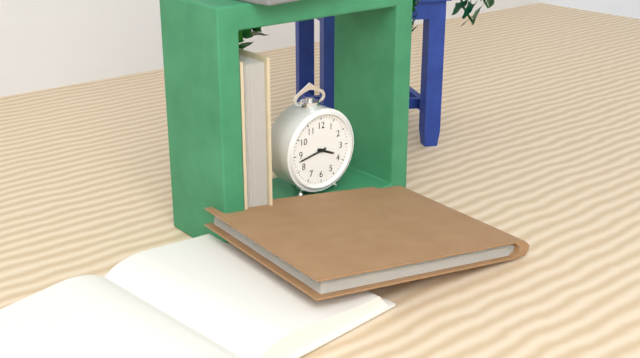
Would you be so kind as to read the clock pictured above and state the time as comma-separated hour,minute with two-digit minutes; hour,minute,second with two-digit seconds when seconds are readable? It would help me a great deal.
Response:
3,43
